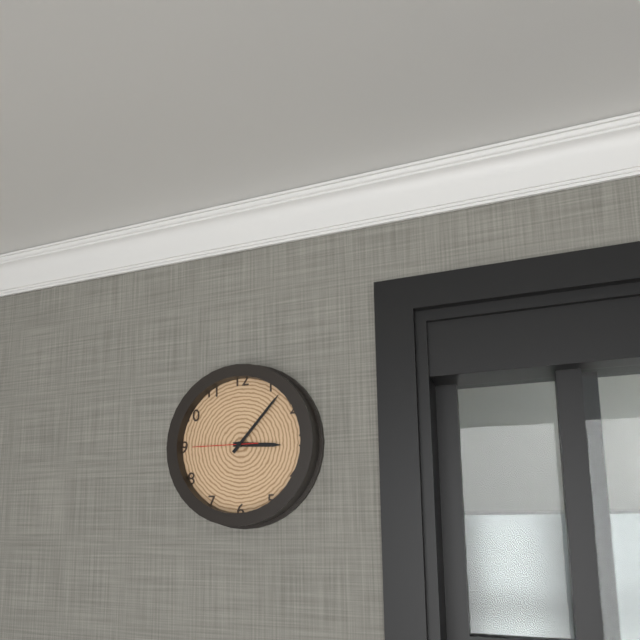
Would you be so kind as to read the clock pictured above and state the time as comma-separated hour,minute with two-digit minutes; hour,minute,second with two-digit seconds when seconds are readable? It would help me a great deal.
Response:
3,07,45
